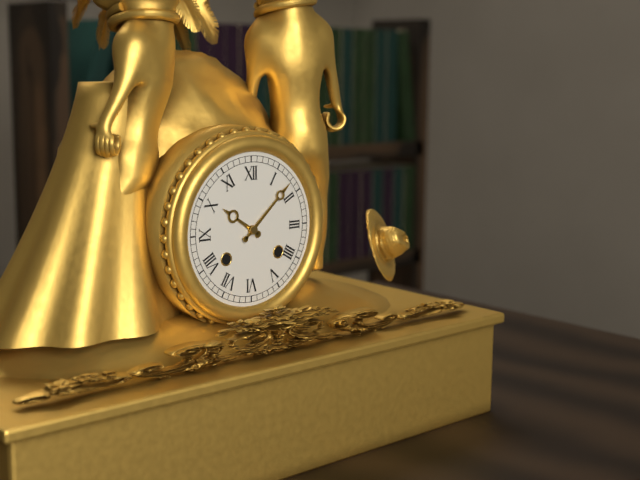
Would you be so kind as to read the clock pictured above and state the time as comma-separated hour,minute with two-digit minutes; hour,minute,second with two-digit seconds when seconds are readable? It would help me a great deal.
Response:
10,08
